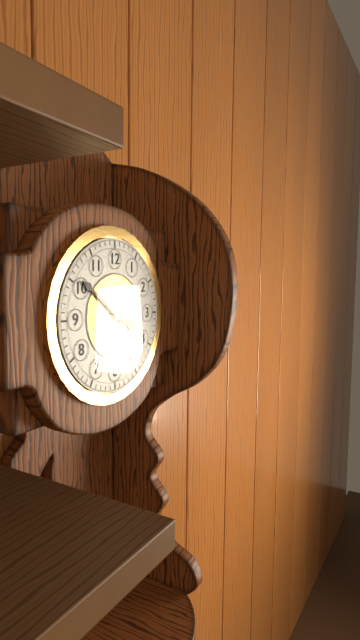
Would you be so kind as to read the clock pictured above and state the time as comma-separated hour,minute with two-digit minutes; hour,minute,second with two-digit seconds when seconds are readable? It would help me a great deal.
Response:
3,51
